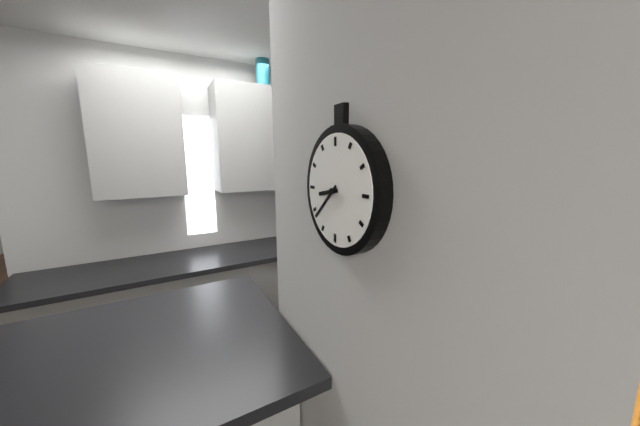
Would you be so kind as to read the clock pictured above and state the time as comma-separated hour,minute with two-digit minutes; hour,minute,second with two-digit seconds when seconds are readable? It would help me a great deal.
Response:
8,38
